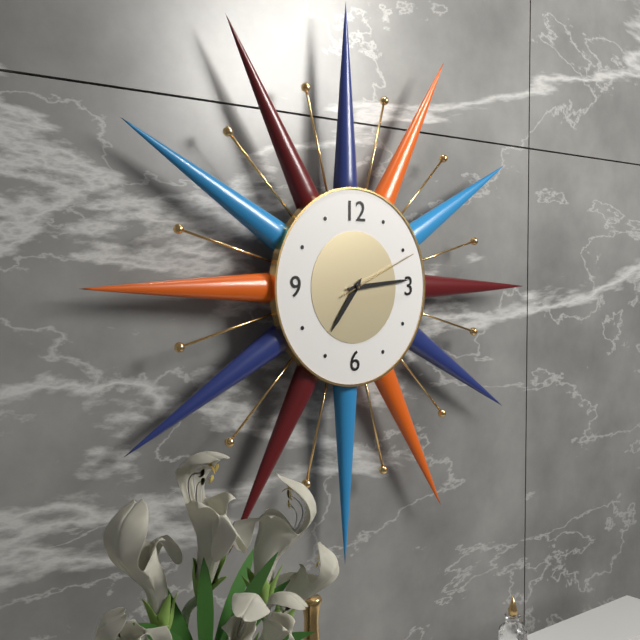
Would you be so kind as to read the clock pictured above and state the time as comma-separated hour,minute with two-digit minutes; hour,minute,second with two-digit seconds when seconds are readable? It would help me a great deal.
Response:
7,14,11
